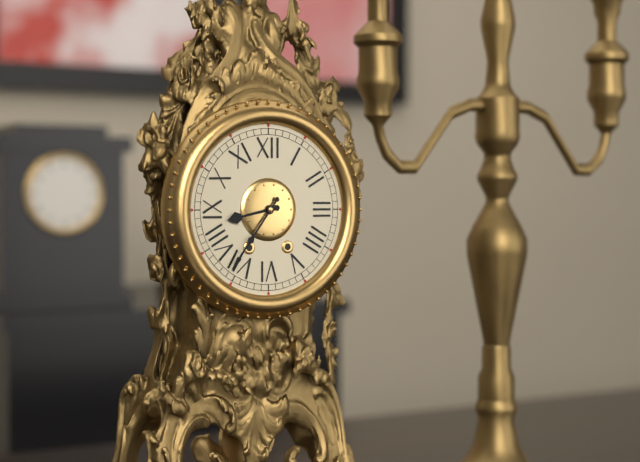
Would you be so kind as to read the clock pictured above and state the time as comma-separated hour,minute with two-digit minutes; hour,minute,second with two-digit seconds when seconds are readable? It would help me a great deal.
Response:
8,36
